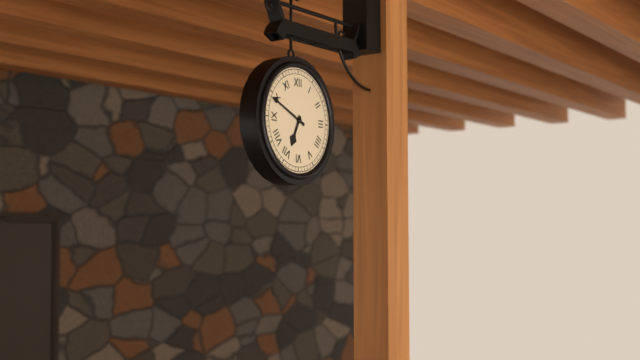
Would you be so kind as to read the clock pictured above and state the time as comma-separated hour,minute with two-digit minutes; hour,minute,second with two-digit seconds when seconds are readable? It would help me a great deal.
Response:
6,49
